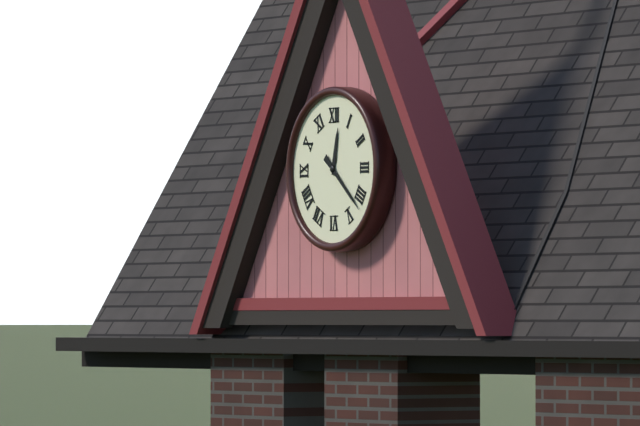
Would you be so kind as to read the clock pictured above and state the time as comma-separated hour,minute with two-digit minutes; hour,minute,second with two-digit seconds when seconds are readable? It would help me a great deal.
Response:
12,22
